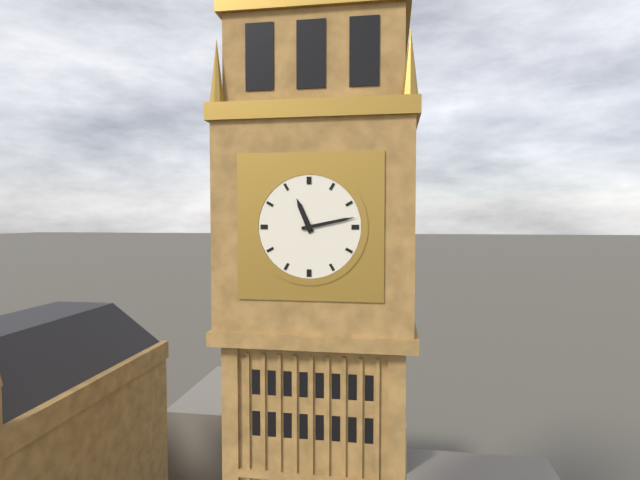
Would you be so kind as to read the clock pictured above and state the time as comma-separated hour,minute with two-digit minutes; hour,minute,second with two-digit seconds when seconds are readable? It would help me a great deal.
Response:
11,13
